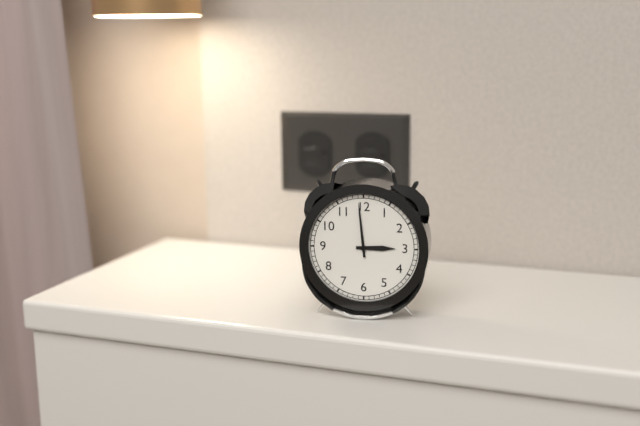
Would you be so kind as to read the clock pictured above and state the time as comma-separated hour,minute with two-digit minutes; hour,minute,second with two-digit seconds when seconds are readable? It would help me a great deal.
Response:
2,59
